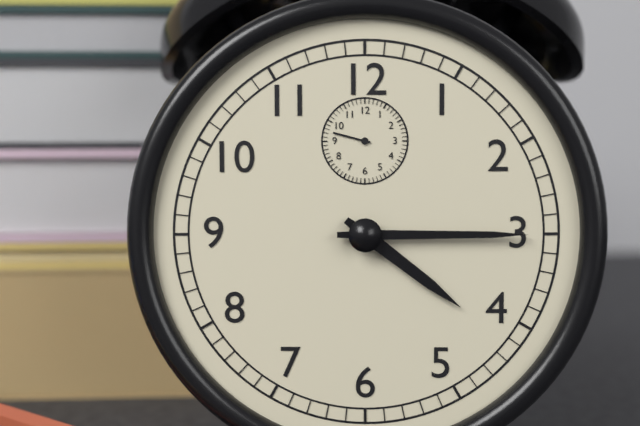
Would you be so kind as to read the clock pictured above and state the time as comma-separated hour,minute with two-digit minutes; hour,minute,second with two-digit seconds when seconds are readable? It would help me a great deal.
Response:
4,15
